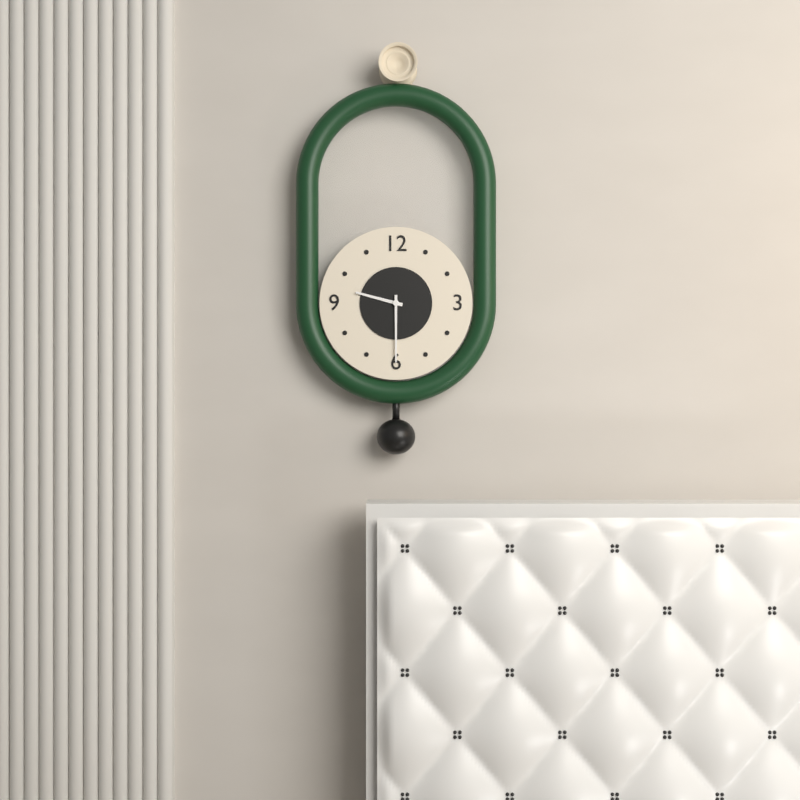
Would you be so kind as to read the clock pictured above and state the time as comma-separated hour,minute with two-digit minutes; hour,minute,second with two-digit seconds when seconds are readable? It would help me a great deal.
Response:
9,30
